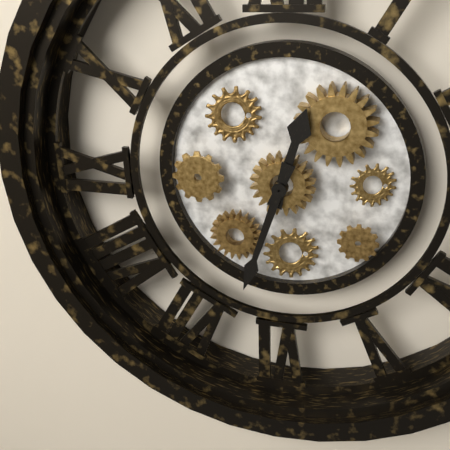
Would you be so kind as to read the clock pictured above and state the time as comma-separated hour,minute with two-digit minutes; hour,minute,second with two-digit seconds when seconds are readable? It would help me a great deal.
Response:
12,33
